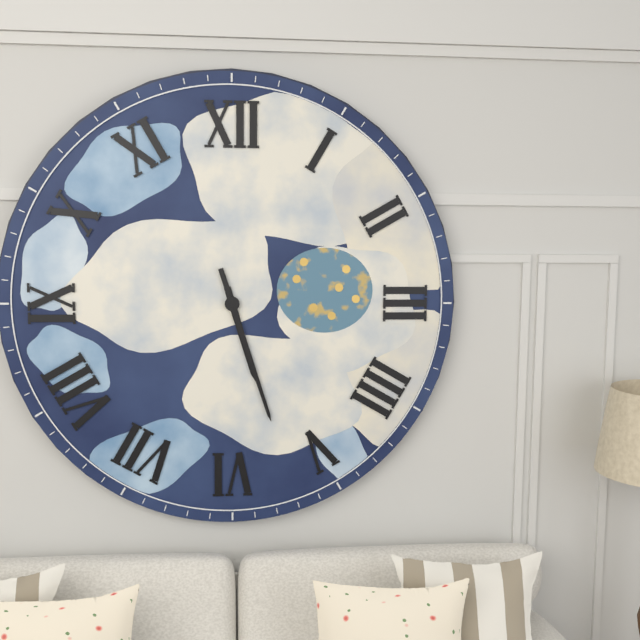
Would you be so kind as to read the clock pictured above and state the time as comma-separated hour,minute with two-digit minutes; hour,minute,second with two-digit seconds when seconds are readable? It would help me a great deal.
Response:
5,27
